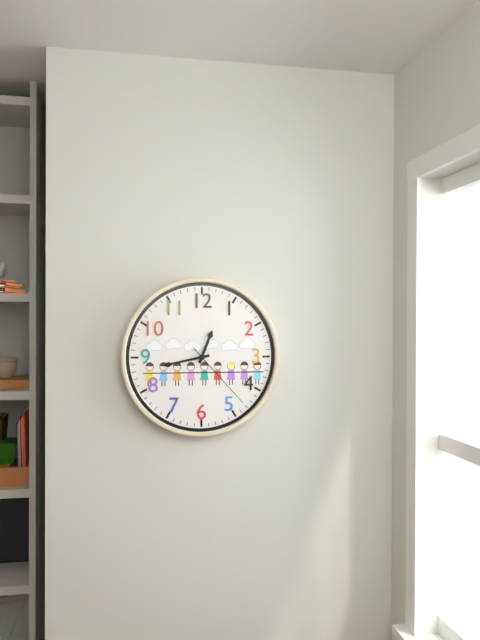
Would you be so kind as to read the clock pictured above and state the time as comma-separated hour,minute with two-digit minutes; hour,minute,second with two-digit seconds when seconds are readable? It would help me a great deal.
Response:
12,43,23
